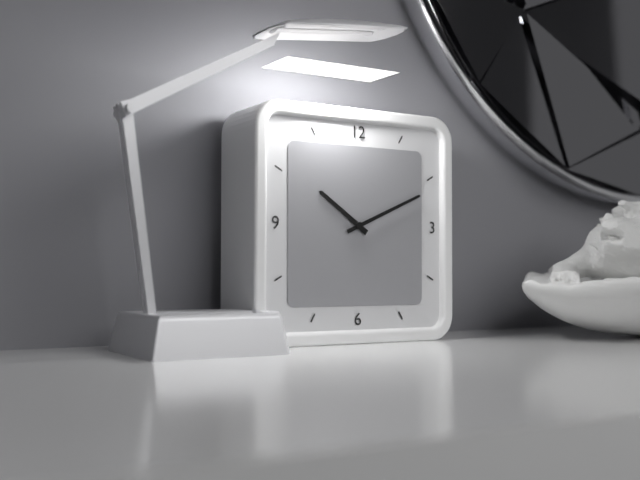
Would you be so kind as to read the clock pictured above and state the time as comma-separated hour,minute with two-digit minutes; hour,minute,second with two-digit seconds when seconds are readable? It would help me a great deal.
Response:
10,11
